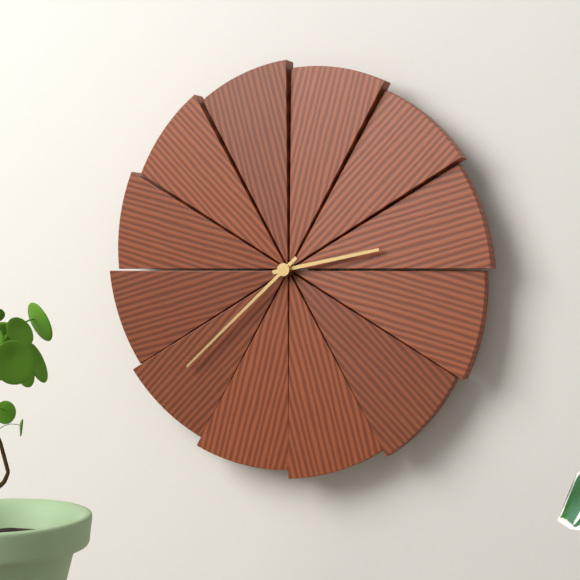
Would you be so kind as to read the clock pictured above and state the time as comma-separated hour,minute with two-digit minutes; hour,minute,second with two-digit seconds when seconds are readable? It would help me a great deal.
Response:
2,38
